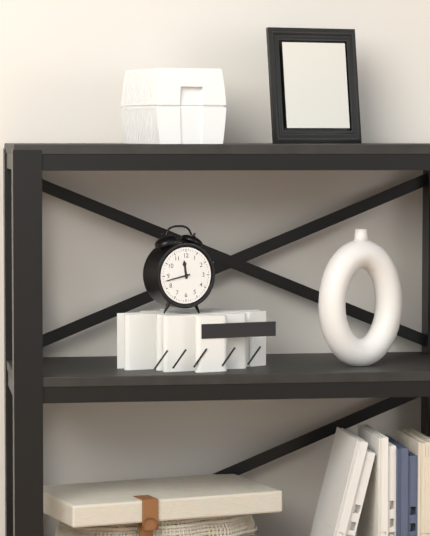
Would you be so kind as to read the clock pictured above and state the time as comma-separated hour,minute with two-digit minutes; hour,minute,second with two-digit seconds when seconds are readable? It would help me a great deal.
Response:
11,43
